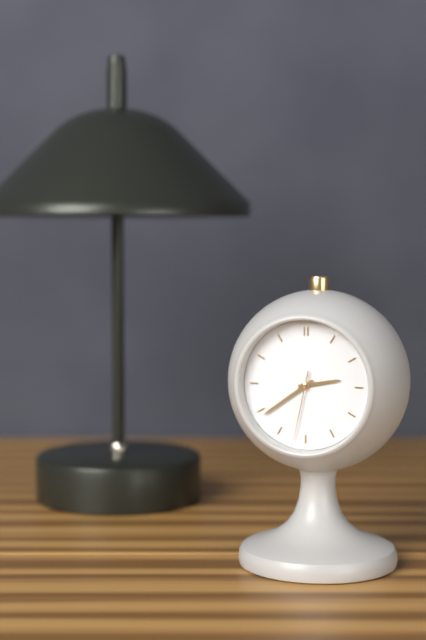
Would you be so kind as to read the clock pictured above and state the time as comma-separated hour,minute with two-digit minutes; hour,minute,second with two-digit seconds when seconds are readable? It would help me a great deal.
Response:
2,39,32
